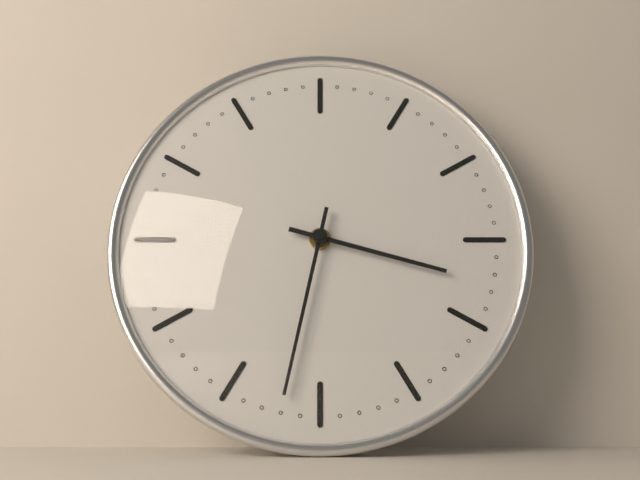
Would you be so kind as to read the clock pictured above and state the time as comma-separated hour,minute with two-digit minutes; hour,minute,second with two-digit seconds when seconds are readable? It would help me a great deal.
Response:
3,32
